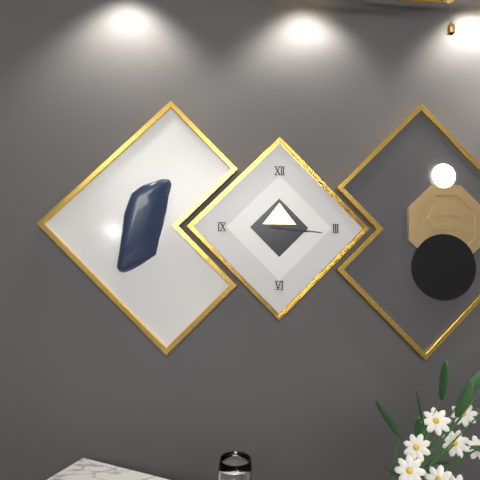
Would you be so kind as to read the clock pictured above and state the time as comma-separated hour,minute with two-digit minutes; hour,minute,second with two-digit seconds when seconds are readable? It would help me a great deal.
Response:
3,16
